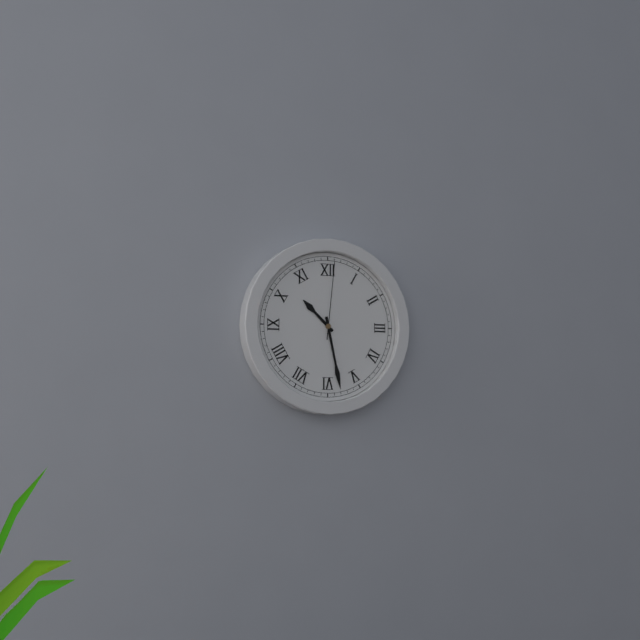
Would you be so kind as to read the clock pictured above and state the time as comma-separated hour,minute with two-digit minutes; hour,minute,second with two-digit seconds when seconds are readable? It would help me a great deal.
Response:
10,28,01
